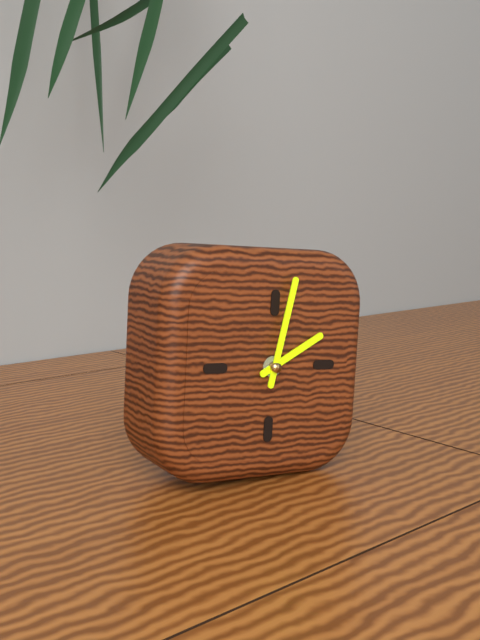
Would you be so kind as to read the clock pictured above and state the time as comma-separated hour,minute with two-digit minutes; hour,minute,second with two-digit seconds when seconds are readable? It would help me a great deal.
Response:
2,02
